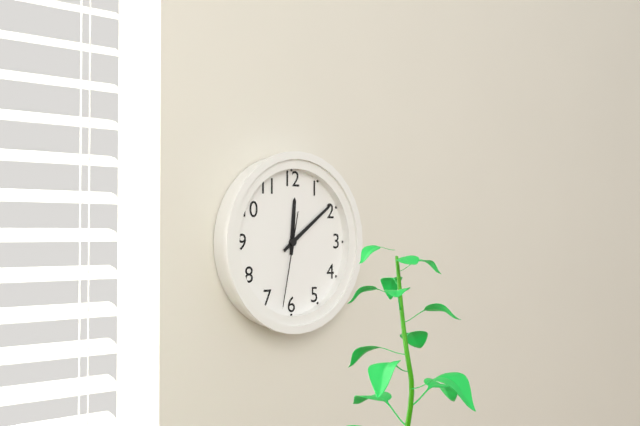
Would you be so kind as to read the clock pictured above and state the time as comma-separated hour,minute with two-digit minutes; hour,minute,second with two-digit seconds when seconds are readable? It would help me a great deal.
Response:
12,09,32
